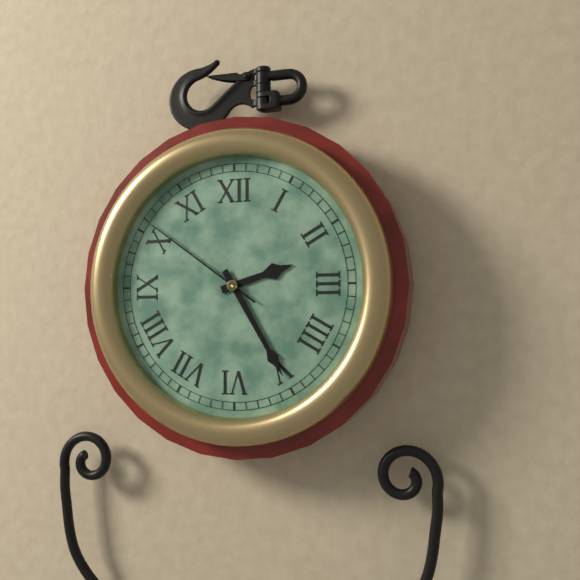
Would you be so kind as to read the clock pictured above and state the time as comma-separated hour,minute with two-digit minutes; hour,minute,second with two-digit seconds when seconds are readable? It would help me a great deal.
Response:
2,25,51
